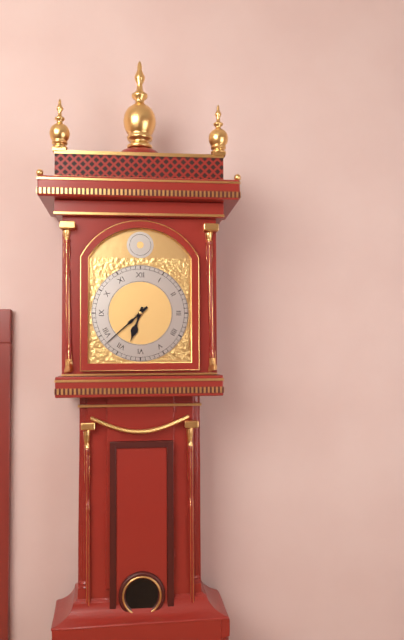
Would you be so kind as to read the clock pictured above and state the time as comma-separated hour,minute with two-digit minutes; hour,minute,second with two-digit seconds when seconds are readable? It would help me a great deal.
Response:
6,38
